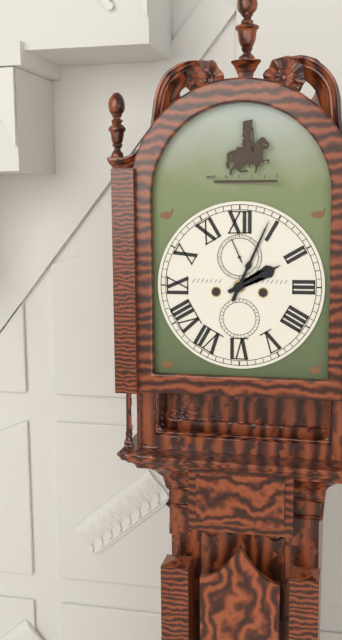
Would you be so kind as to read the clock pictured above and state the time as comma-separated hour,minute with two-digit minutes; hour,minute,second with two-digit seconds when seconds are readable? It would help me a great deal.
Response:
2,04
